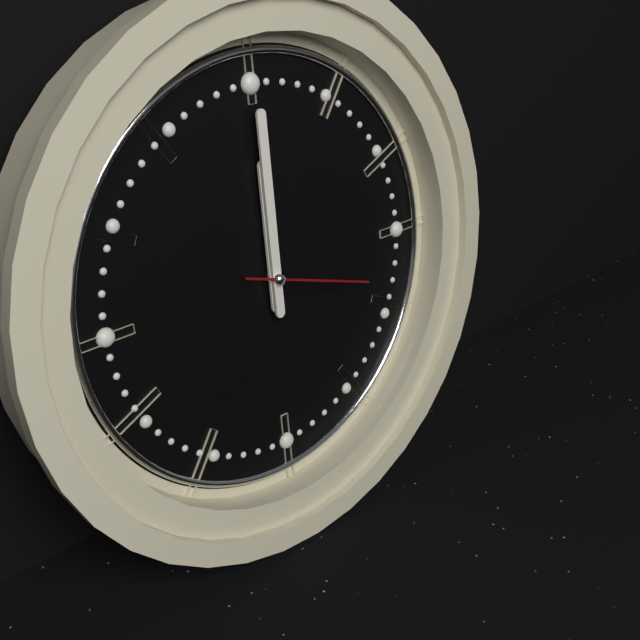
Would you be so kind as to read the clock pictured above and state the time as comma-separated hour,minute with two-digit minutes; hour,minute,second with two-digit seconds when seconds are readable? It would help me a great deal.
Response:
12,00,18
